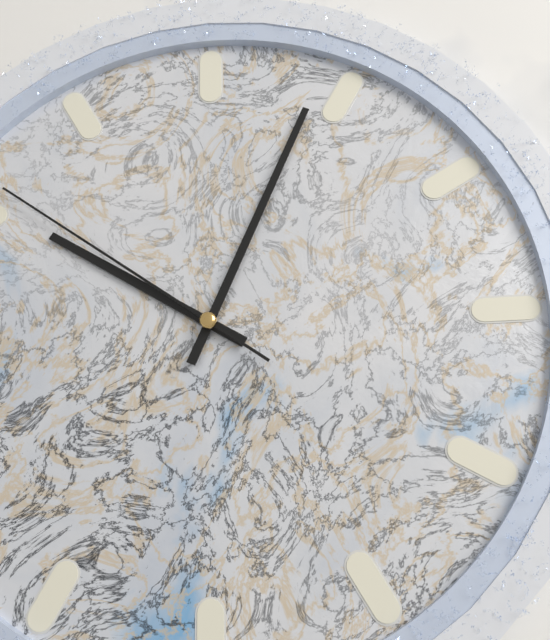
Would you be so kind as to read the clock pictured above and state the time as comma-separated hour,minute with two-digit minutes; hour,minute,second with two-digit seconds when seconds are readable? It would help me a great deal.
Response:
10,04,51
